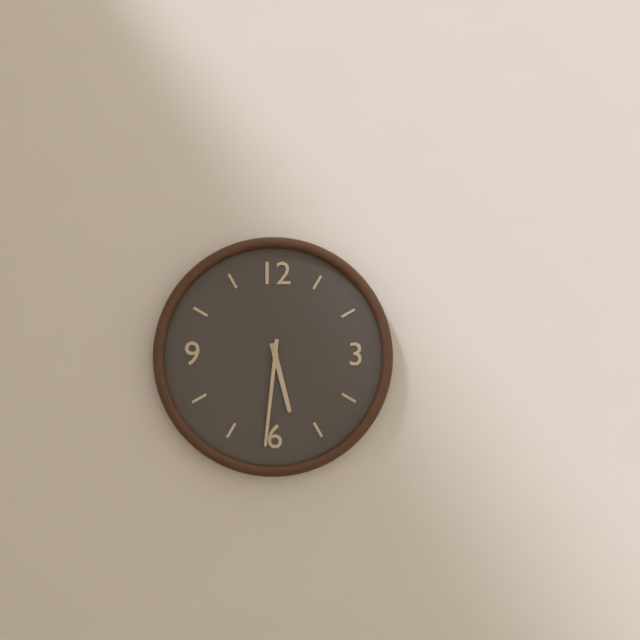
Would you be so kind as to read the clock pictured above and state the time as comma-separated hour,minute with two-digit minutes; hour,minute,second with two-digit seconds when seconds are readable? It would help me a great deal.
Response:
5,31
